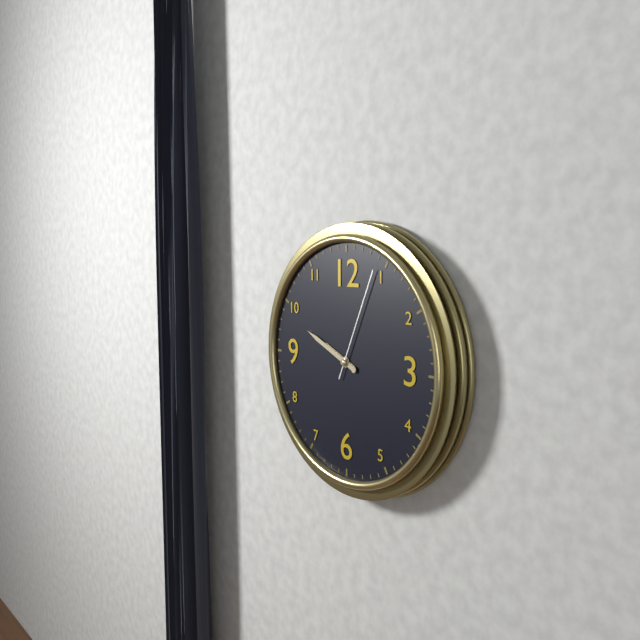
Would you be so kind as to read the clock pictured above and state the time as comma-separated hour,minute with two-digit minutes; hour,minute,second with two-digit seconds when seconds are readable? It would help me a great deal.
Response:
9,49,04
